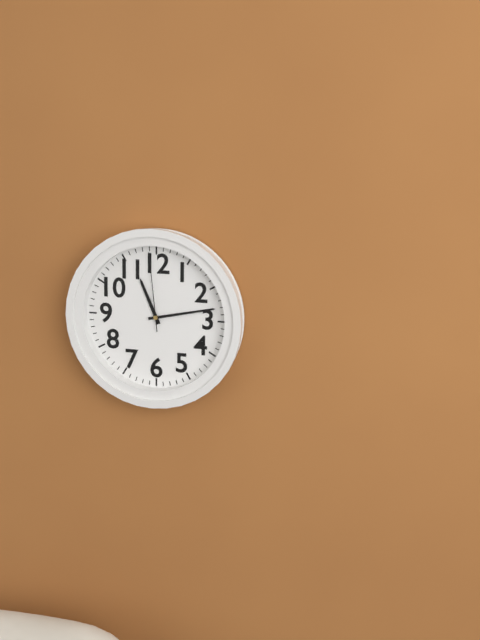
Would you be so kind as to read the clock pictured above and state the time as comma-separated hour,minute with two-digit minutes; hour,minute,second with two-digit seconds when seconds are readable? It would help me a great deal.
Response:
11,13,59
